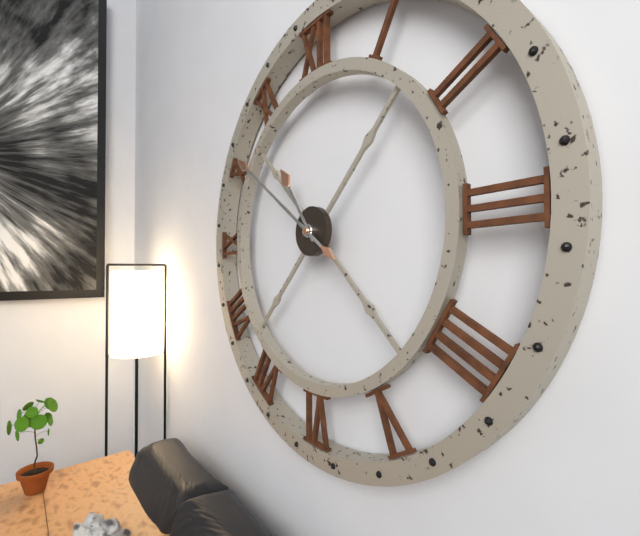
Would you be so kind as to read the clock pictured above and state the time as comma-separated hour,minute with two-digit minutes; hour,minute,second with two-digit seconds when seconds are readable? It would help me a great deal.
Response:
10,51
